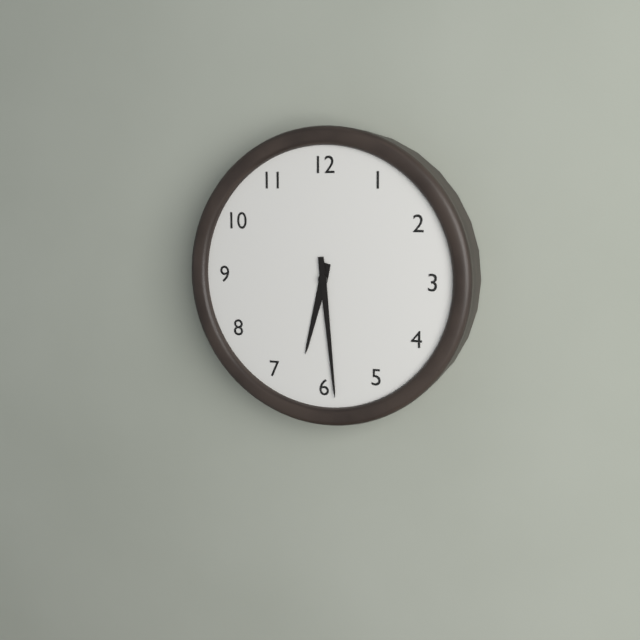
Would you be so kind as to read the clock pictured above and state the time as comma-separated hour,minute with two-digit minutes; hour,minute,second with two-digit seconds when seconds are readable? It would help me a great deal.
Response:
6,29
